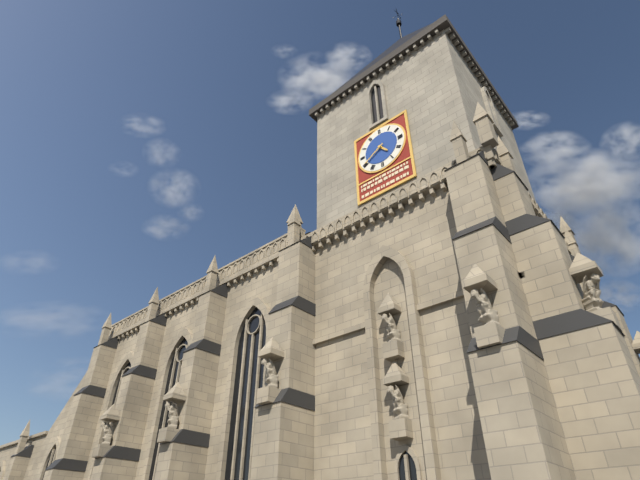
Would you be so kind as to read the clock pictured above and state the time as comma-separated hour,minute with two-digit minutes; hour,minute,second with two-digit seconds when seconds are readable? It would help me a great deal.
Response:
4,40
